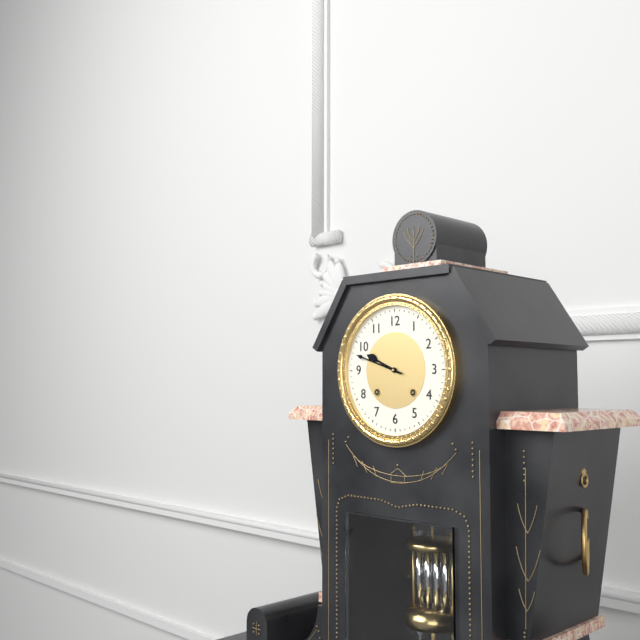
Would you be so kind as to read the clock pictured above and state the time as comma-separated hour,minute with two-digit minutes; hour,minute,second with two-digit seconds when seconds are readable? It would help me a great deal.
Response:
9,48
